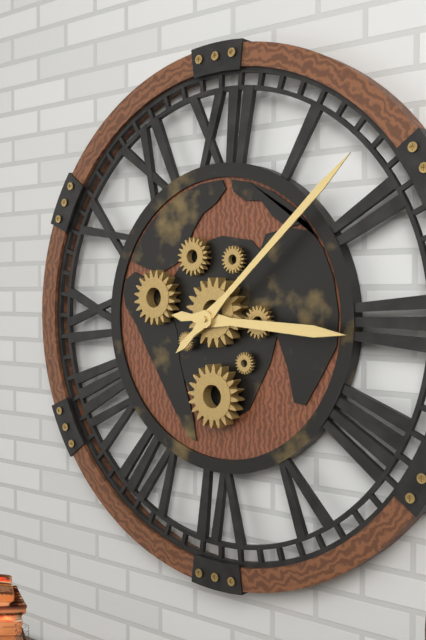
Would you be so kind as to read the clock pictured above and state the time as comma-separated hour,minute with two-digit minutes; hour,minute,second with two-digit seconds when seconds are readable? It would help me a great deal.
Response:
3,08
